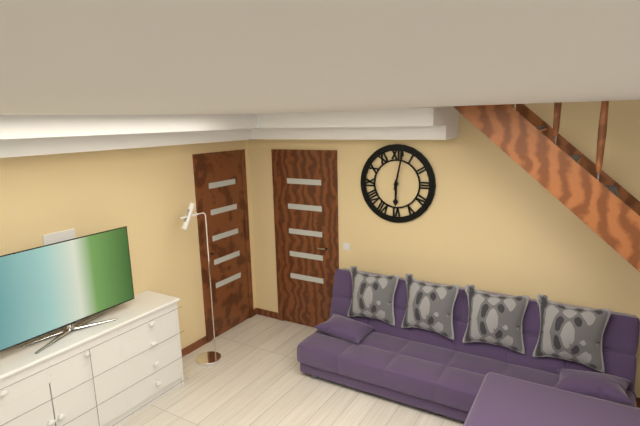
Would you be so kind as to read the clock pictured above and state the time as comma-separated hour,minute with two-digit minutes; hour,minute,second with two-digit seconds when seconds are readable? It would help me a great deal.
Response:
6,02
